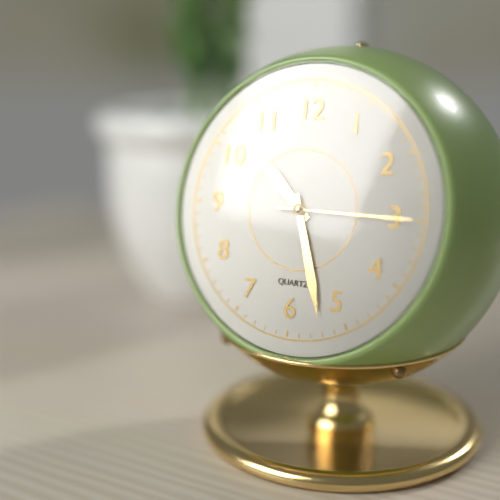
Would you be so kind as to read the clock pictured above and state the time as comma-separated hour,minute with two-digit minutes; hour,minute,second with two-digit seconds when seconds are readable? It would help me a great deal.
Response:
10,27,15
